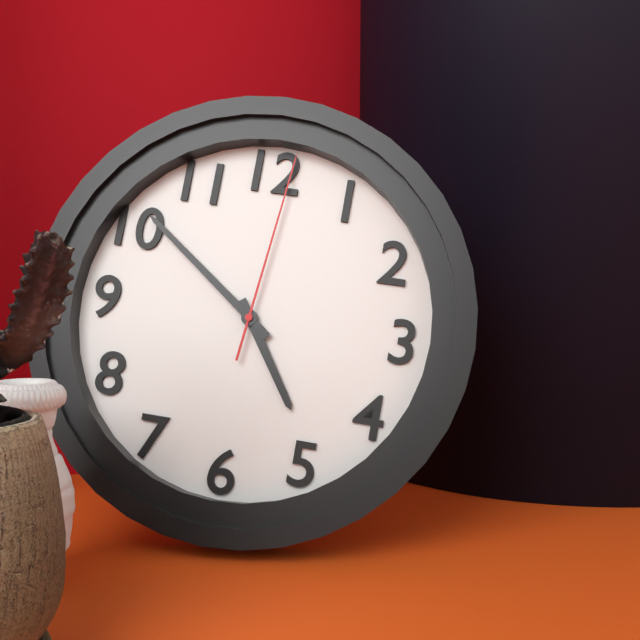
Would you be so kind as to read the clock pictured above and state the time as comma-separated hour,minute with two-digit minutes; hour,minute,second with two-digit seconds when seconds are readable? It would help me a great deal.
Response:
4,51,01
